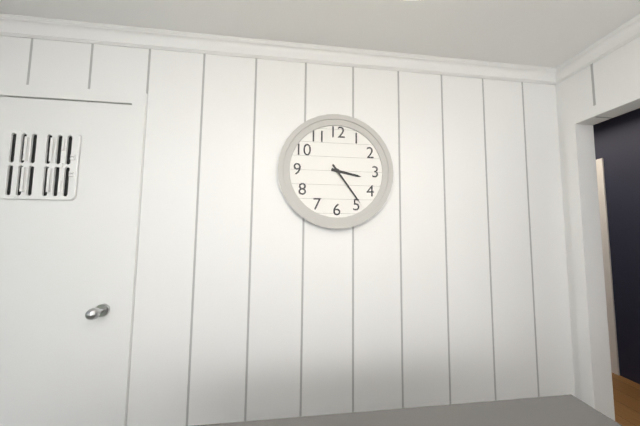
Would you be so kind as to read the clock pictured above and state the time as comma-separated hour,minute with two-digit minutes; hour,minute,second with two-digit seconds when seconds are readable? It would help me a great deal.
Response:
3,24
